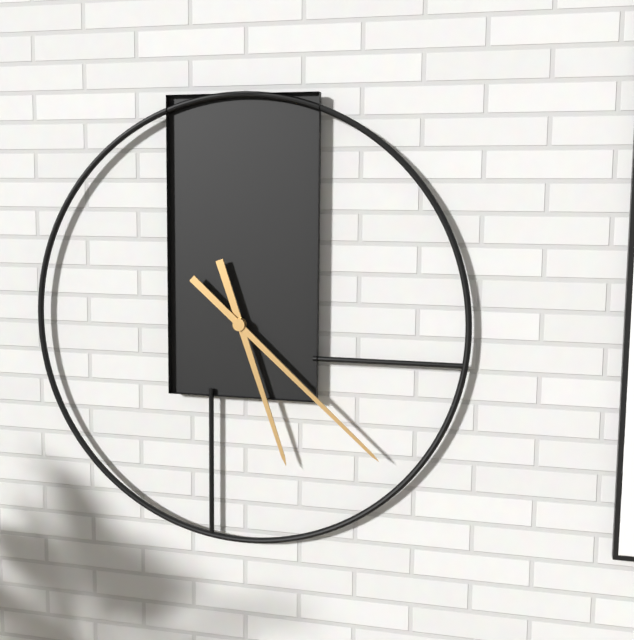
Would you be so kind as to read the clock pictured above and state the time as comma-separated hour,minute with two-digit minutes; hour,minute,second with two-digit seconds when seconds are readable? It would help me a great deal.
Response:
5,22
